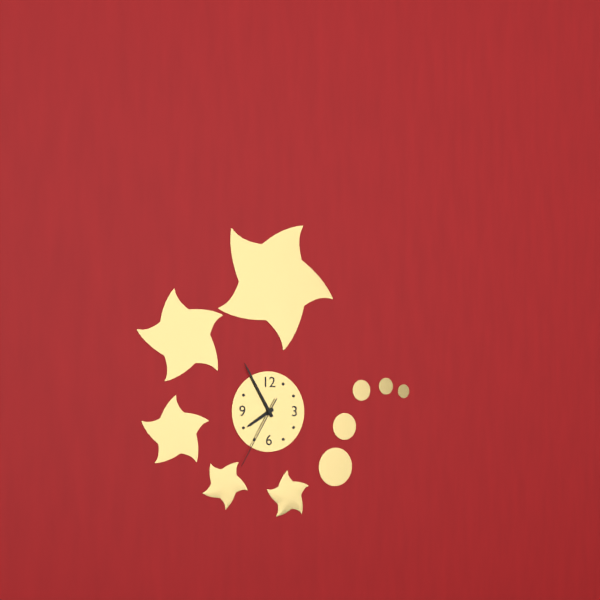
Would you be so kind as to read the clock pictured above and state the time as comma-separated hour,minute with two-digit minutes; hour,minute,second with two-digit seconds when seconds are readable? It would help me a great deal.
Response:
7,55,35
